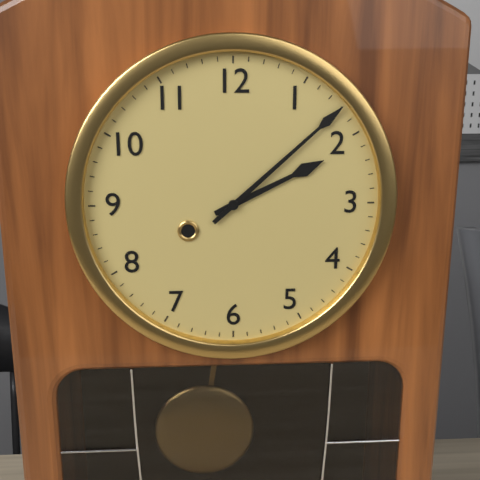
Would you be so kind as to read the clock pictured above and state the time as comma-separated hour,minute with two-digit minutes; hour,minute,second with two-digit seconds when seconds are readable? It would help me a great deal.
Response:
2,08
